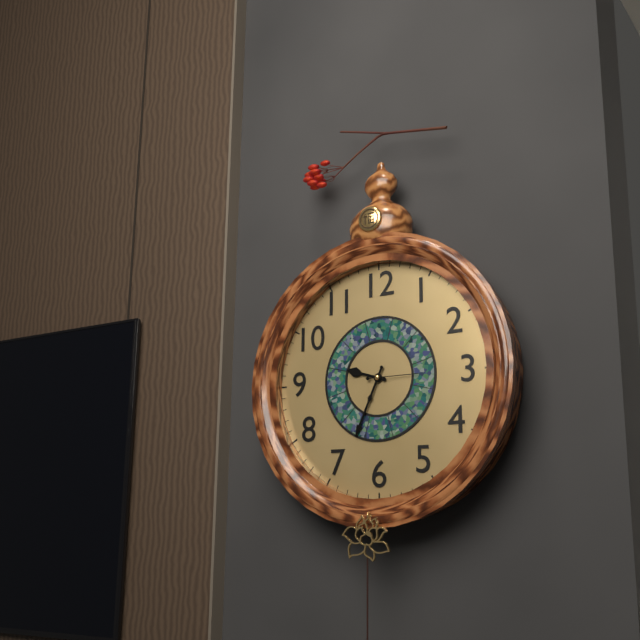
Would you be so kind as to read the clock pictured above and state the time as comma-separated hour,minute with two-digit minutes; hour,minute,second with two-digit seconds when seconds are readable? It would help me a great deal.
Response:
9,34
